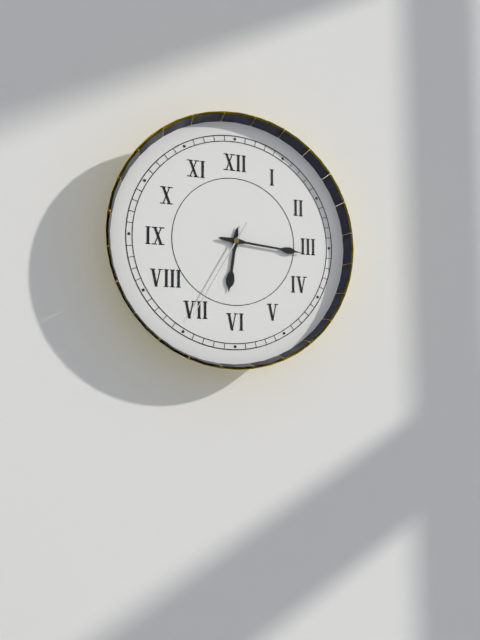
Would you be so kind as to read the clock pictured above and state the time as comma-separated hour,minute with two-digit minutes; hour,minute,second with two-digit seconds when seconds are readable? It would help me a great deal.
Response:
6,16,35
